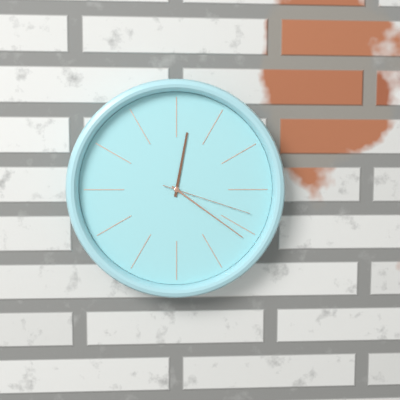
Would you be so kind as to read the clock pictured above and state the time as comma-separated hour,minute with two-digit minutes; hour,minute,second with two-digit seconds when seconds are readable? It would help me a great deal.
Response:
12,21,18
